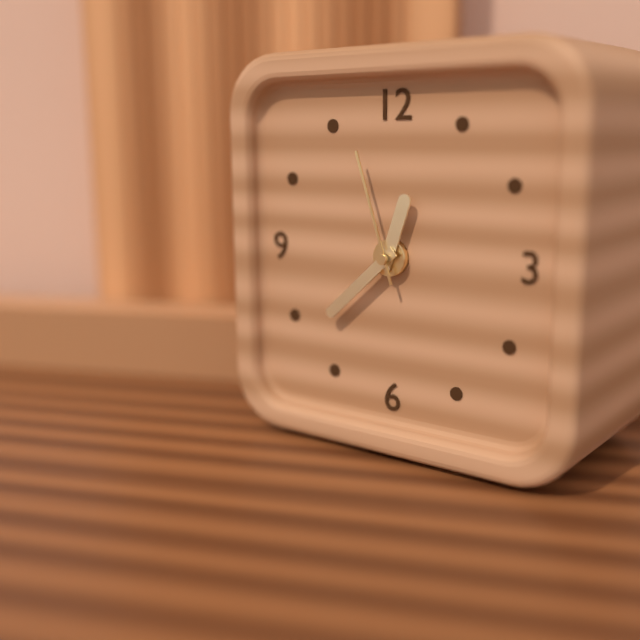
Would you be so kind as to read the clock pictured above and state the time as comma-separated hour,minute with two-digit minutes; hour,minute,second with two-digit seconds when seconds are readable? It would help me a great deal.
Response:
12,38,57
